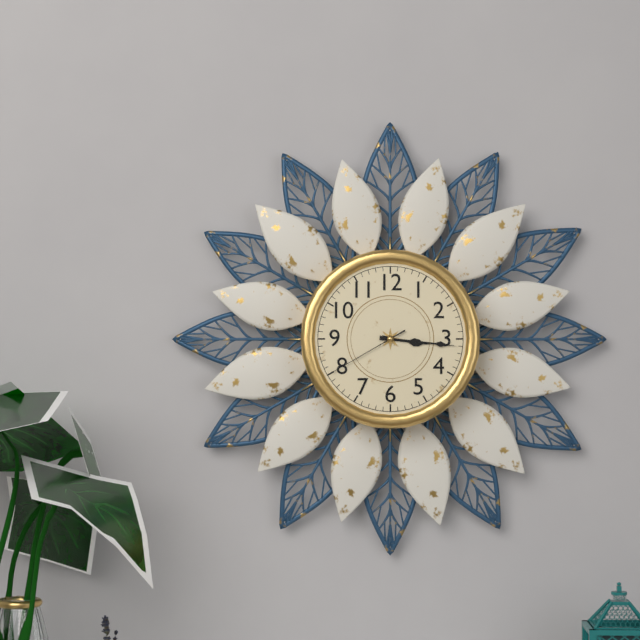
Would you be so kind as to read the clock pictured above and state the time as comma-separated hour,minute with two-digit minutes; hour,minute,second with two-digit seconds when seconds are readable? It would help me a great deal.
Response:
3,16,40
